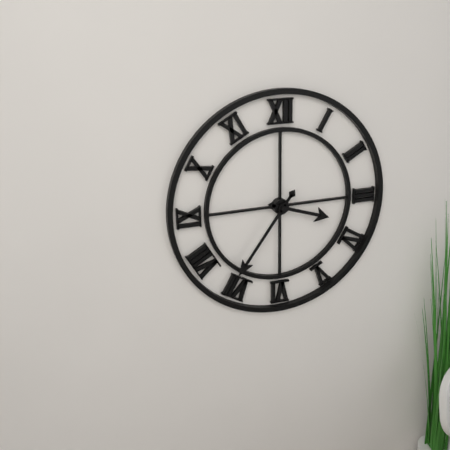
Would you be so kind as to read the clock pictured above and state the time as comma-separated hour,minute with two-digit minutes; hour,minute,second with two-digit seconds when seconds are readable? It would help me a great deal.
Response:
3,36
